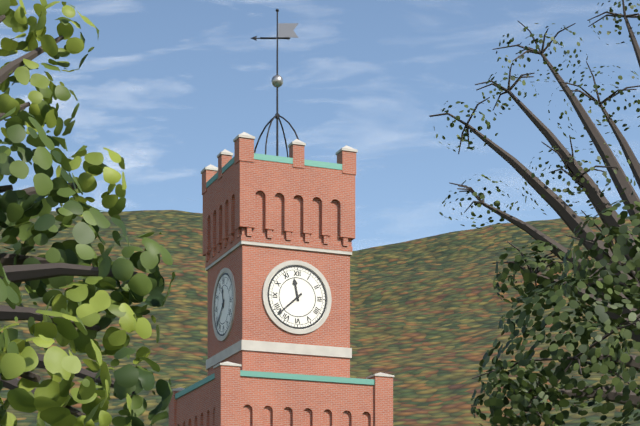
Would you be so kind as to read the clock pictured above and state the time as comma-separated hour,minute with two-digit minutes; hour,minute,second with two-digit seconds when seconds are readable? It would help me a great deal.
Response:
11,38
